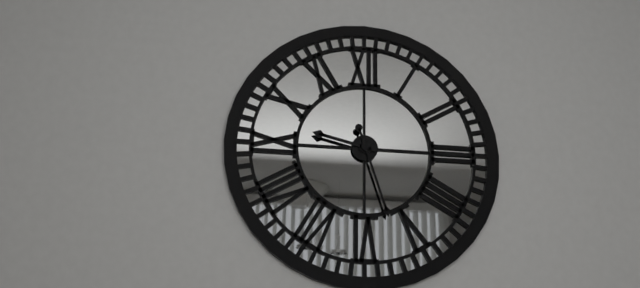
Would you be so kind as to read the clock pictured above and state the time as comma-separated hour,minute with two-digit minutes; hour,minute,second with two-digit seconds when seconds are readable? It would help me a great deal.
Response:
9,27
